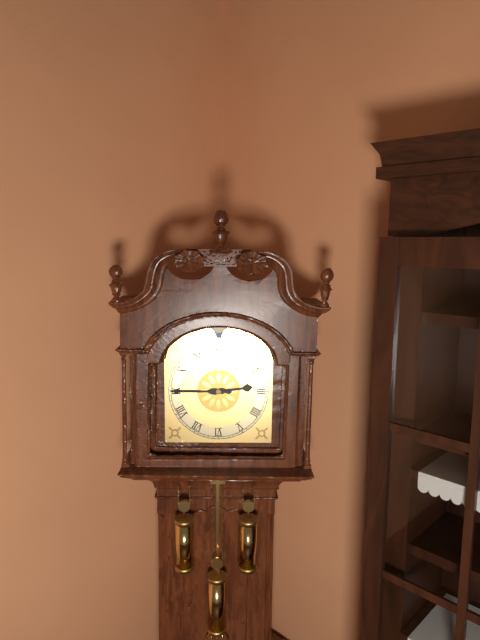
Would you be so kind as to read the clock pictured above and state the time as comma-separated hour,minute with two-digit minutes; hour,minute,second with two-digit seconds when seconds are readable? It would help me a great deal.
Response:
2,45
